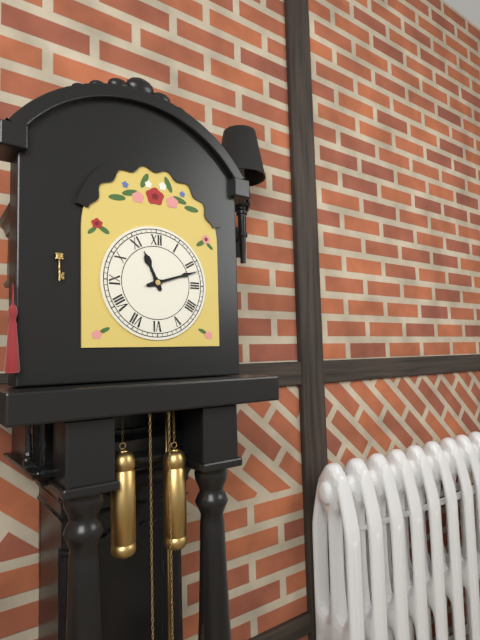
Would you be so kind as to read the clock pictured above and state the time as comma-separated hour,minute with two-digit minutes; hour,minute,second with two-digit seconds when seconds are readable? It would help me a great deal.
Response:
11,12
